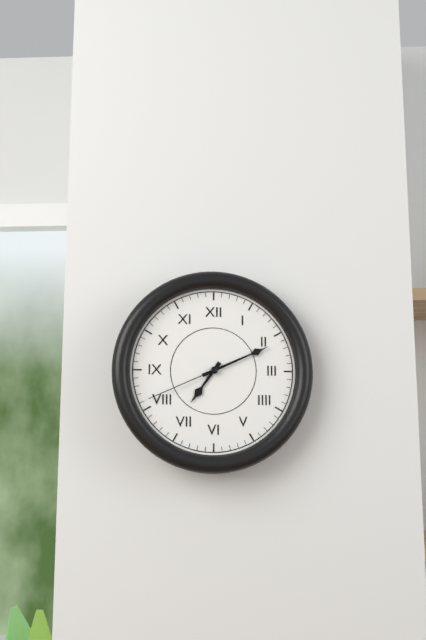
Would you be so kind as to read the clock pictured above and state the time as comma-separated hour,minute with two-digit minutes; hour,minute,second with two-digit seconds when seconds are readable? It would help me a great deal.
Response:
7,11,41
